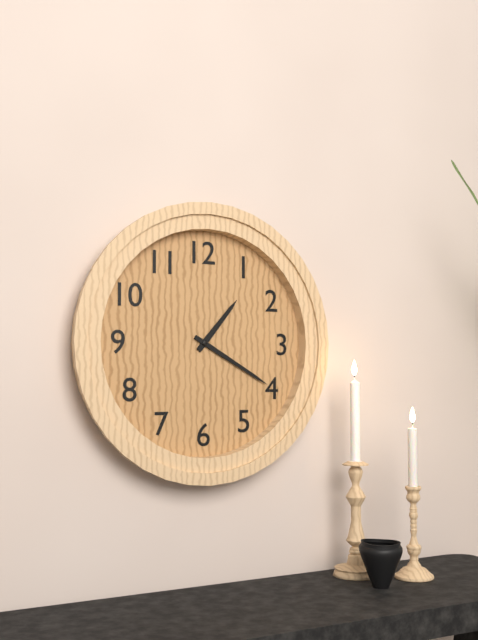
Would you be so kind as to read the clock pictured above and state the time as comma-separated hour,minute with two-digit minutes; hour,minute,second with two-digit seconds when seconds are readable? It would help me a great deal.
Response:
1,20
